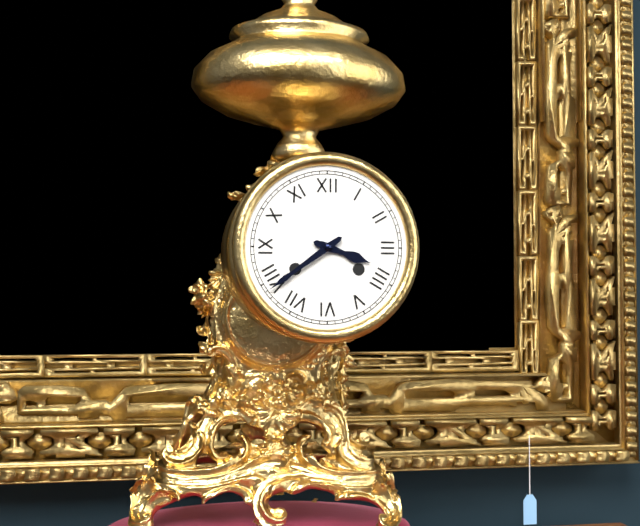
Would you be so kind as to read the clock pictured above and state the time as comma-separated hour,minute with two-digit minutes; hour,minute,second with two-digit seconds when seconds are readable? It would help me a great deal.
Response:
3,39
